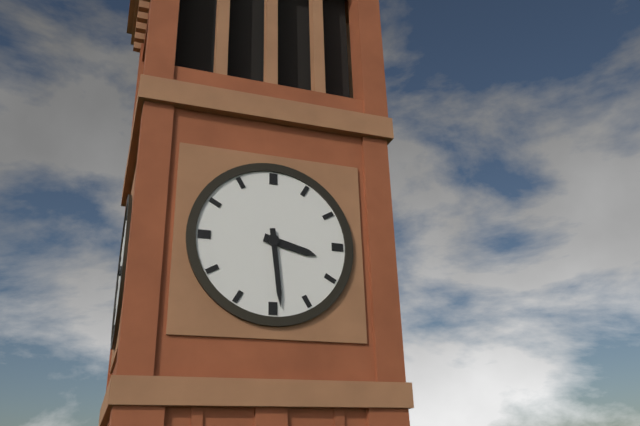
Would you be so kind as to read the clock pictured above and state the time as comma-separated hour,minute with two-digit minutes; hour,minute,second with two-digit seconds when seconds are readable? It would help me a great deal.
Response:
3,29
